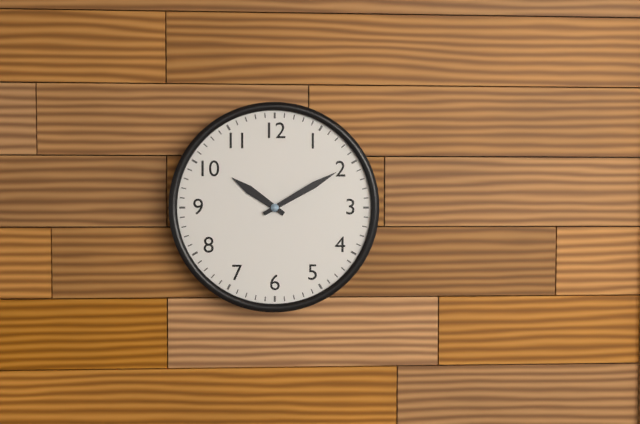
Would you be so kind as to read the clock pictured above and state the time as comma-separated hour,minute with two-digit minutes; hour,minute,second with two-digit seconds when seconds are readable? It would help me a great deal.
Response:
10,10
